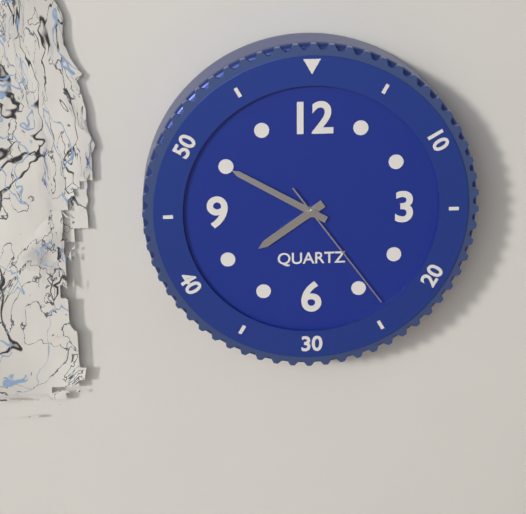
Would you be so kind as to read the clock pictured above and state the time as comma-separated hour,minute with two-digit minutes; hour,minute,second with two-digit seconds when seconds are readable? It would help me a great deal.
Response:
7,50,24
